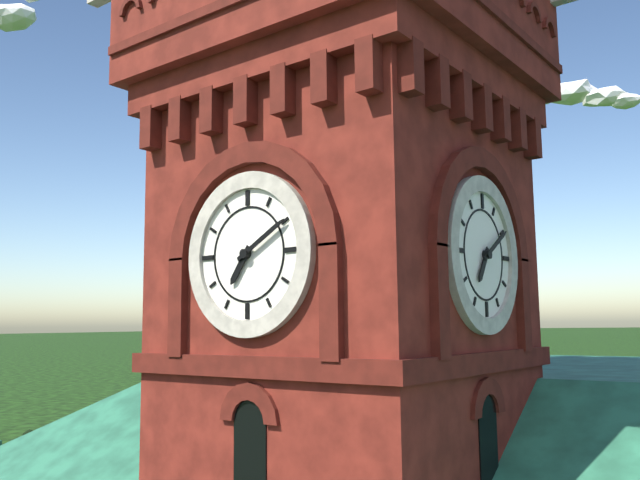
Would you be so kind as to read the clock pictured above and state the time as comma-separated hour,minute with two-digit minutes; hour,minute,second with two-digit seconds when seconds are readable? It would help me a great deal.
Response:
7,10
